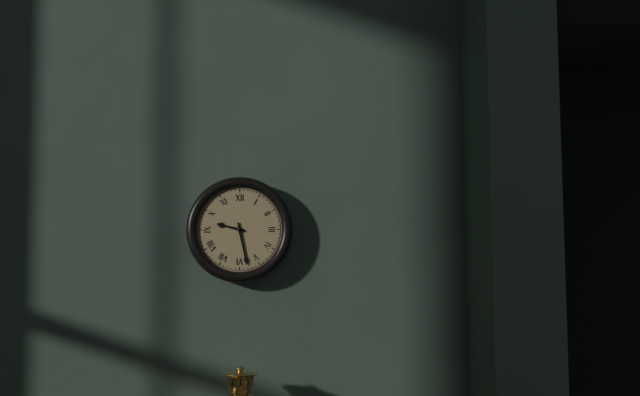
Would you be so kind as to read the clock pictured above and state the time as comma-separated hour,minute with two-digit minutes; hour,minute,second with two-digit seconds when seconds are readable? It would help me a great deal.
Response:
9,28
